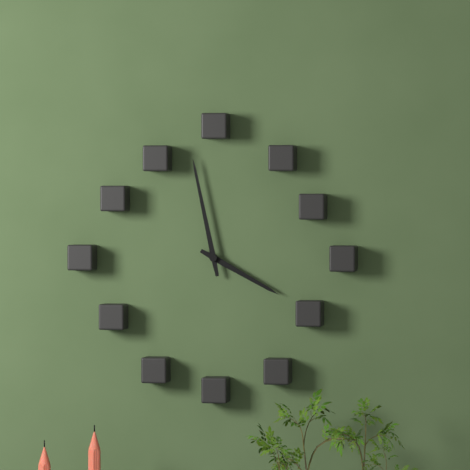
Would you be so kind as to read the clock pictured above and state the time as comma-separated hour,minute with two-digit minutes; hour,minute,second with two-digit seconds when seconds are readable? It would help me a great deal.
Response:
3,58
